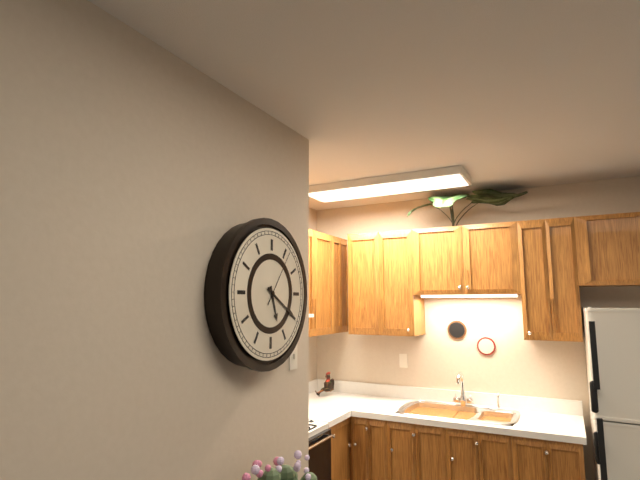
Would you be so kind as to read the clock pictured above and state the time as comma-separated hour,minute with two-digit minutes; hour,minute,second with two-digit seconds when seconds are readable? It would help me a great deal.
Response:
5,20,06
